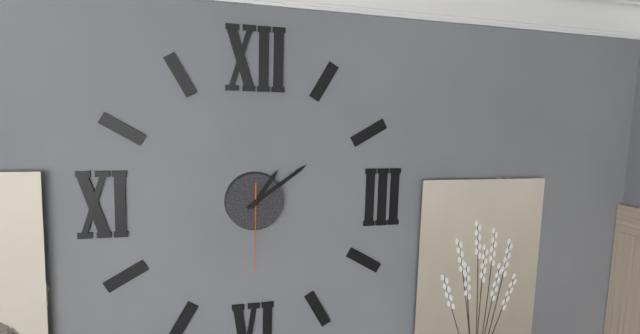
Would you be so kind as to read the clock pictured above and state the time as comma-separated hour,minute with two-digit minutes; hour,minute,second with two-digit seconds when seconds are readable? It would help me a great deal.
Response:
1,09,30
